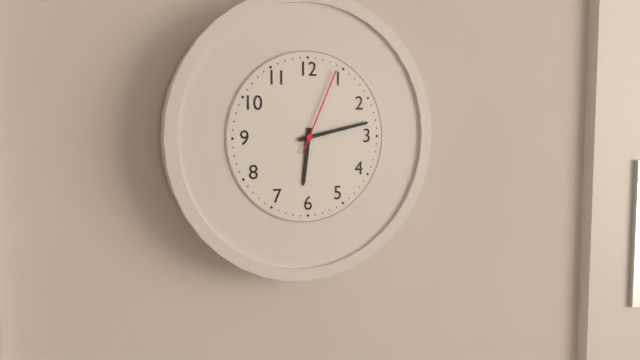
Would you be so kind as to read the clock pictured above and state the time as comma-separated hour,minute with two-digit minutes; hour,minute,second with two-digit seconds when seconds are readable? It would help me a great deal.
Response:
6,13,04
